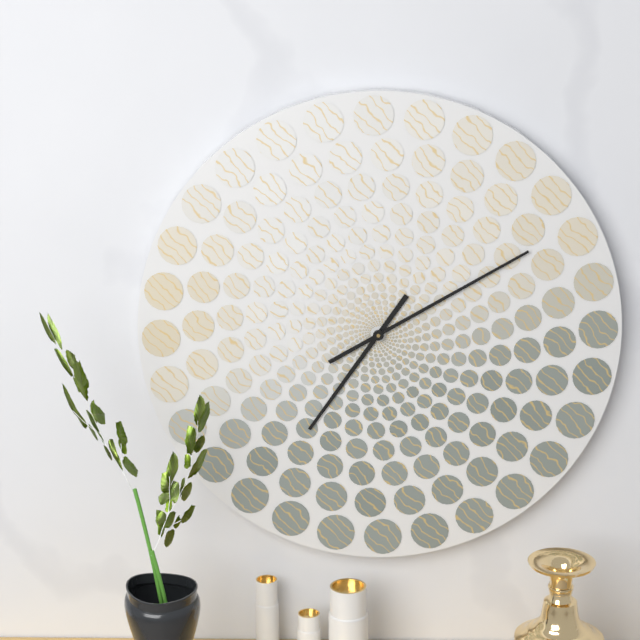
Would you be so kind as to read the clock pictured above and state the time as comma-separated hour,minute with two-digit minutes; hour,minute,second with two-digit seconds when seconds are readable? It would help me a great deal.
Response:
7,10
